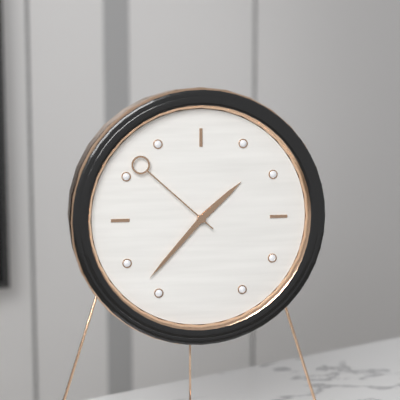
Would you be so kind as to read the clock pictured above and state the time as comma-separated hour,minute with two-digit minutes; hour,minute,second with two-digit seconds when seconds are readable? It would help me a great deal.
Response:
1,37,52
